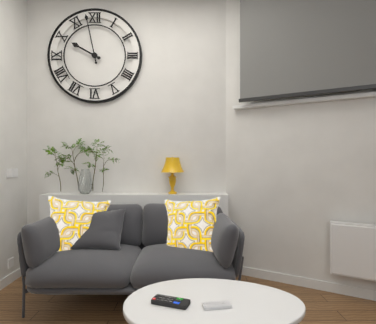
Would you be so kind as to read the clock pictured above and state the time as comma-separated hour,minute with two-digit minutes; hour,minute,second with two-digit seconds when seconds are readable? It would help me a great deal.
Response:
9,58
